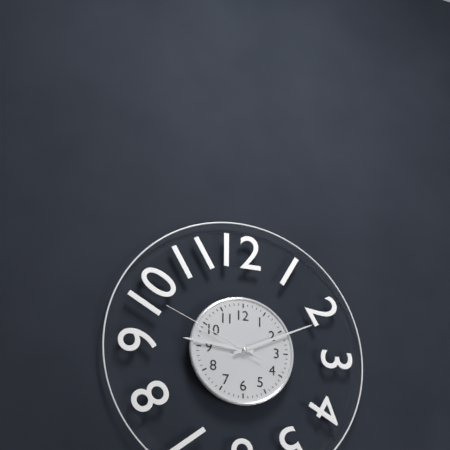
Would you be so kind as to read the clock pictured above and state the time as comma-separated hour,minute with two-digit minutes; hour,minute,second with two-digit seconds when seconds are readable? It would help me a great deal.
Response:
9,11,49
